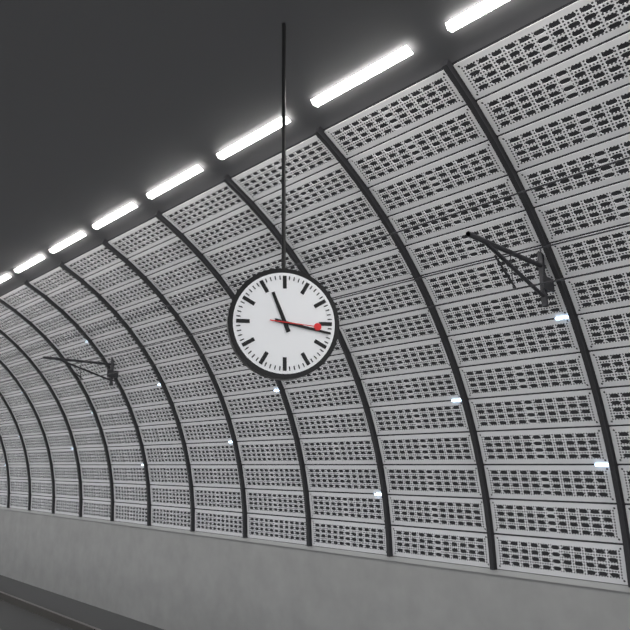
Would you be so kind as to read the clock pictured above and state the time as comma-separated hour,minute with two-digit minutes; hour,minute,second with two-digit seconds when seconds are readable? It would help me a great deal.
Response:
11,17
